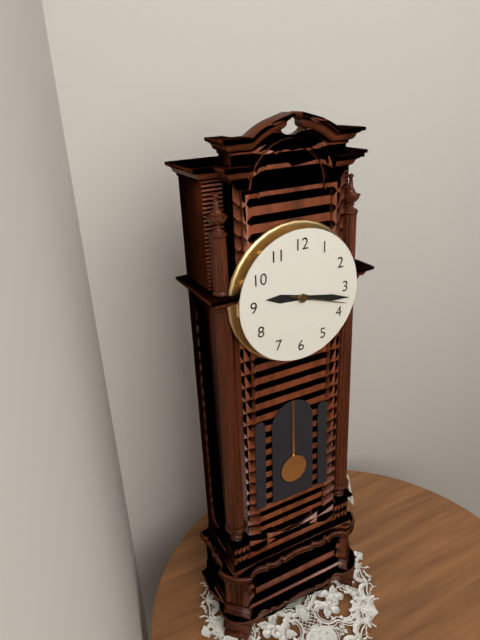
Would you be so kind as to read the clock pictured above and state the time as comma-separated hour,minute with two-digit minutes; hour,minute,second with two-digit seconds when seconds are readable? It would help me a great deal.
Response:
9,17,18
